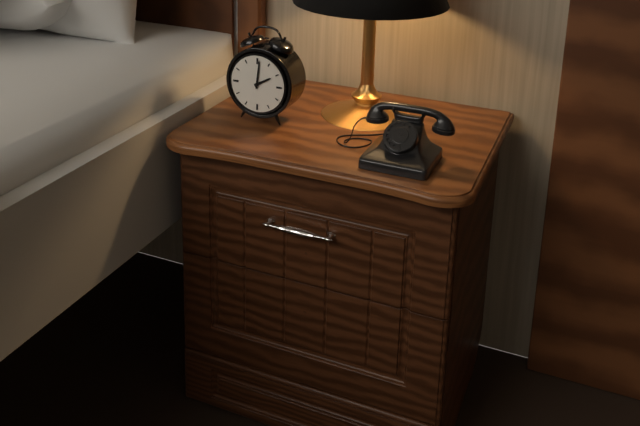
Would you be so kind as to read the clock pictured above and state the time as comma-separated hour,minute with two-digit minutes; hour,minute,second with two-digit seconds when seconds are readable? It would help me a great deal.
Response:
2,01
